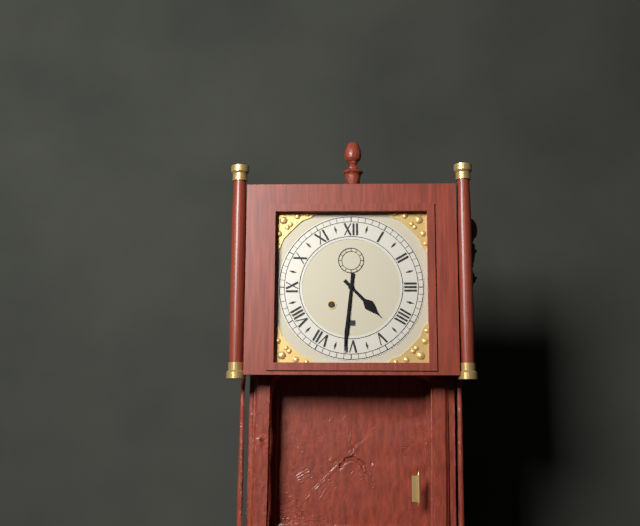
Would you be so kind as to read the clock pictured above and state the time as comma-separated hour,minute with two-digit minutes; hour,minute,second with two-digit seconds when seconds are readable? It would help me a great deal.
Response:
4,31
